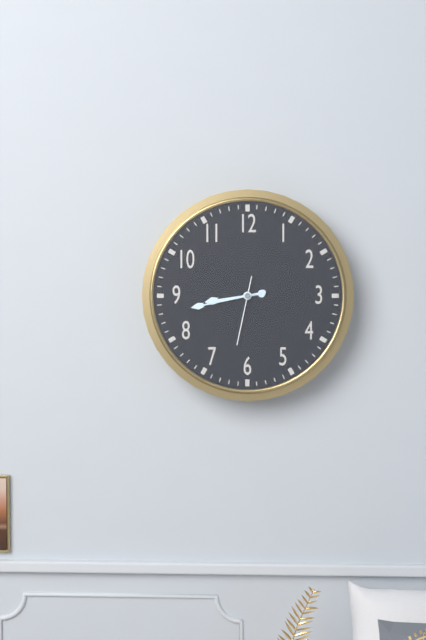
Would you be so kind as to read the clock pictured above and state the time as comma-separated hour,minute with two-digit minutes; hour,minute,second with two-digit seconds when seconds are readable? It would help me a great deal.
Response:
8,43,32
